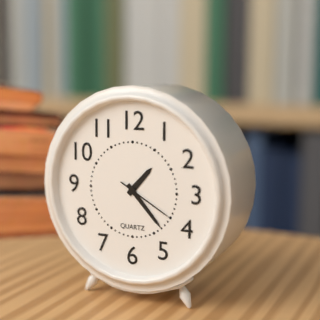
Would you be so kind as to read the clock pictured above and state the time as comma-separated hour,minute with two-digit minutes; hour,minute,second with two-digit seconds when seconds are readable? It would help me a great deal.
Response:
1,23,20
